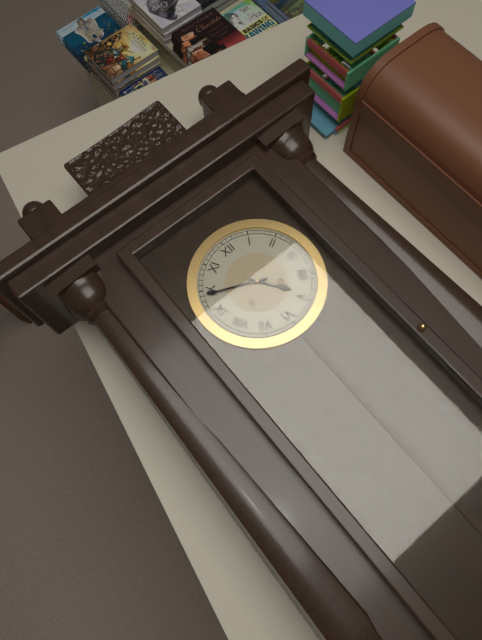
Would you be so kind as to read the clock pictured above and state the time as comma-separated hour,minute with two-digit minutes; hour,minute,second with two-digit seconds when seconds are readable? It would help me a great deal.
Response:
4,49
